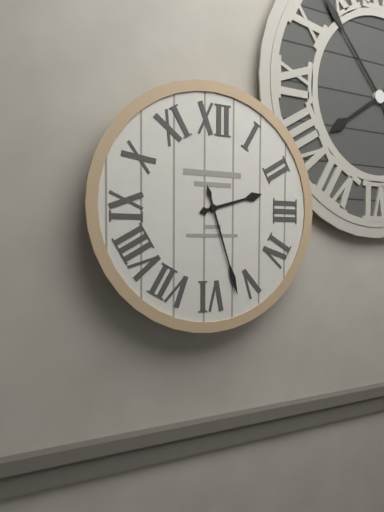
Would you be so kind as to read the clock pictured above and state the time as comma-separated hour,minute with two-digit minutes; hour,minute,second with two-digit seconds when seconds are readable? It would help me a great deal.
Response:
2,27
